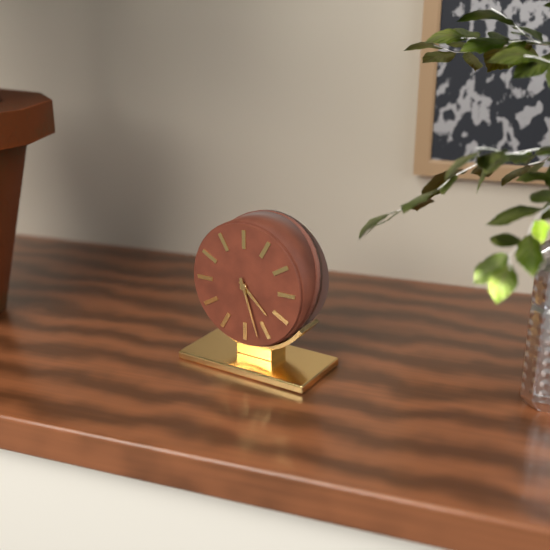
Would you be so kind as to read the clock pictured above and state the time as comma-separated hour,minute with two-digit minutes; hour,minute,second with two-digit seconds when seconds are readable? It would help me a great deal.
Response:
4,27
